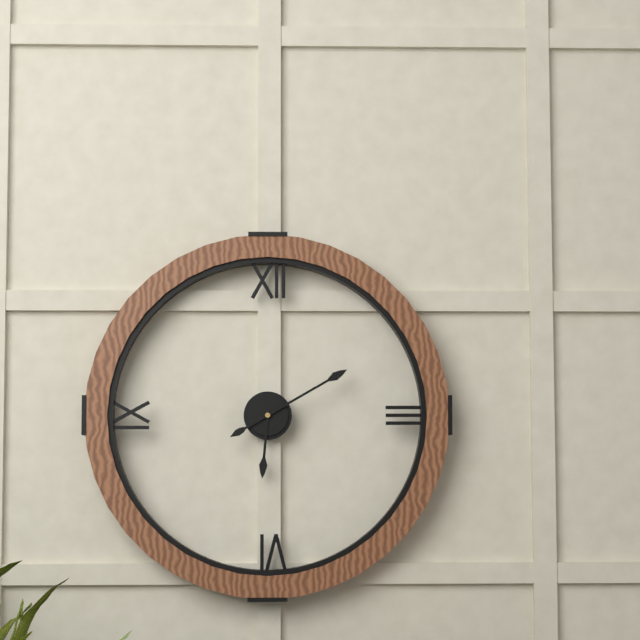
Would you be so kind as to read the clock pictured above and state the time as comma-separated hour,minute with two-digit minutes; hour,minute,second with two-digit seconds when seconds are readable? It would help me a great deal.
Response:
6,10
